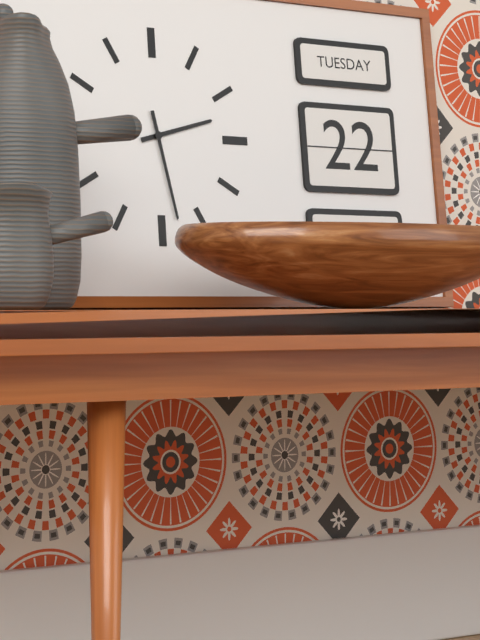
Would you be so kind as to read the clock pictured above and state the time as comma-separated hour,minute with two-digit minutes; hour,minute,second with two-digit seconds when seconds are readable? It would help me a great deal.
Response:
2,28
